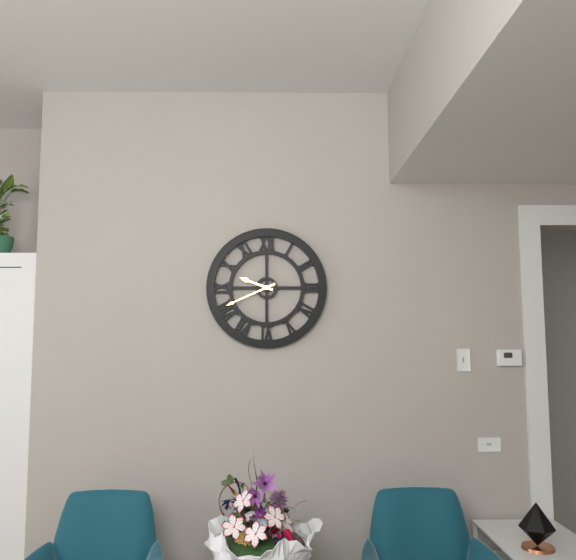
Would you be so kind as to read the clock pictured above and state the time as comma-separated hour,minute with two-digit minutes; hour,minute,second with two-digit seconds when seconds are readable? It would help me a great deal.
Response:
9,41
